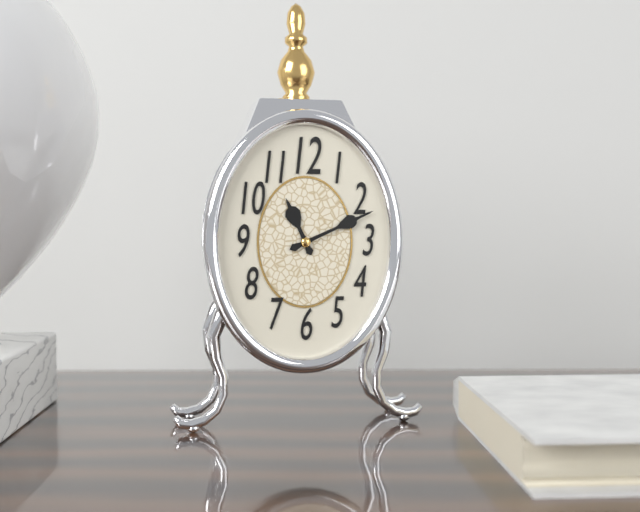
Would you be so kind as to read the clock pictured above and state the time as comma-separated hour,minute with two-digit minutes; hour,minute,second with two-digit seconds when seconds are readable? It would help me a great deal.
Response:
11,11
